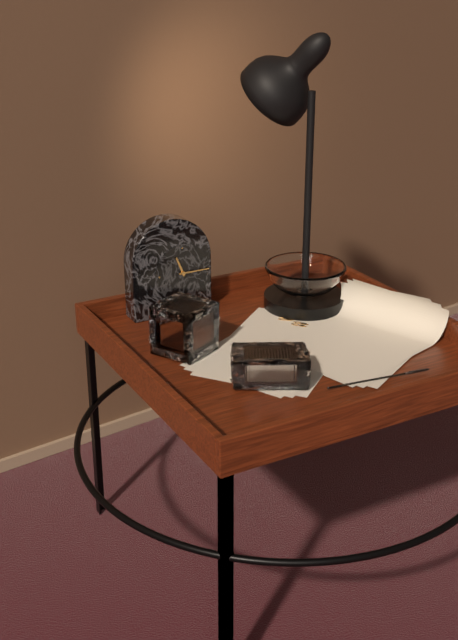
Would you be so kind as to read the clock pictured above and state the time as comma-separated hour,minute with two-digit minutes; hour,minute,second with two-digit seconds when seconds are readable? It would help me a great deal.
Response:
11,15
